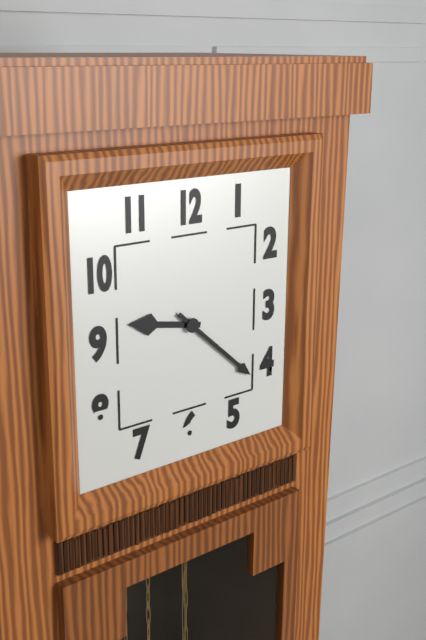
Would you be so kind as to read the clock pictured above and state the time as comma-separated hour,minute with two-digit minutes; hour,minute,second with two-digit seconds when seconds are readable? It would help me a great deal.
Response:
9,22
